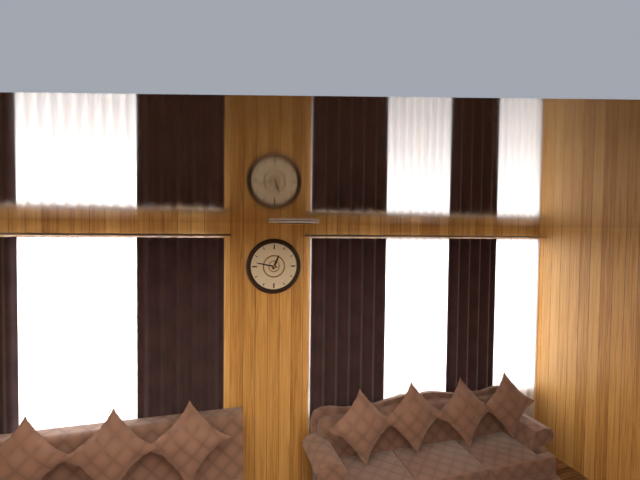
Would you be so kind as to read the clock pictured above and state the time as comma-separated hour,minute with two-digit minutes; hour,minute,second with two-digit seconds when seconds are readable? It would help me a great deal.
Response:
12,47
